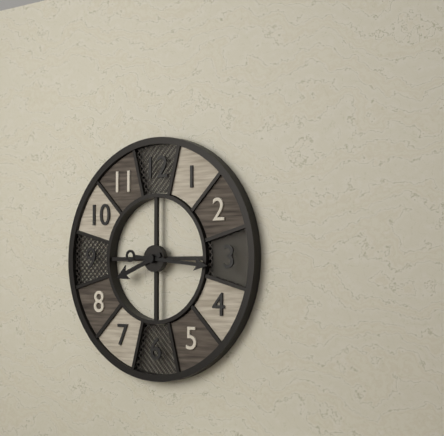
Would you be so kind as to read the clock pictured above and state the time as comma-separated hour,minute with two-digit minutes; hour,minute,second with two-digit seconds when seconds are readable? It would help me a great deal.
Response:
8,16
